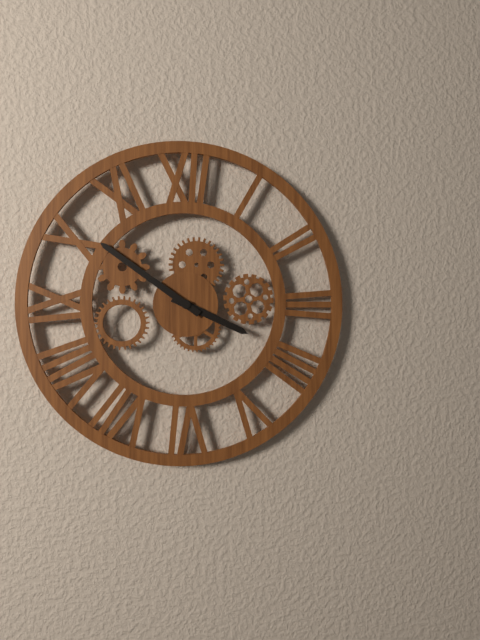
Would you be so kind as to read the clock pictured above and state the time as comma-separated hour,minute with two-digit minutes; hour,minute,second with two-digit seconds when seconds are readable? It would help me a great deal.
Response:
3,51
